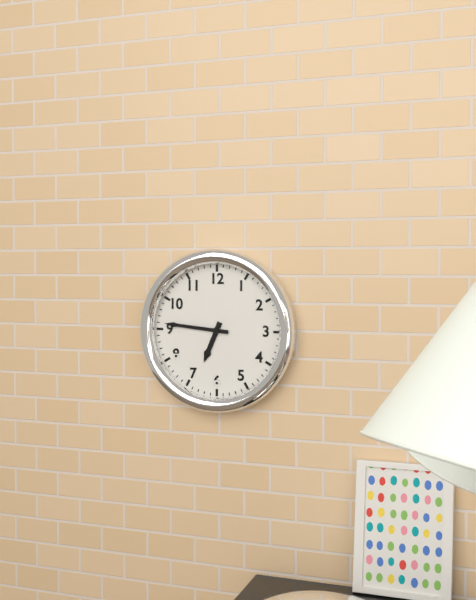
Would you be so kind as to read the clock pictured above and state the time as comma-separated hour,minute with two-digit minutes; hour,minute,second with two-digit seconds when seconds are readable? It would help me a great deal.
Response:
6,46
